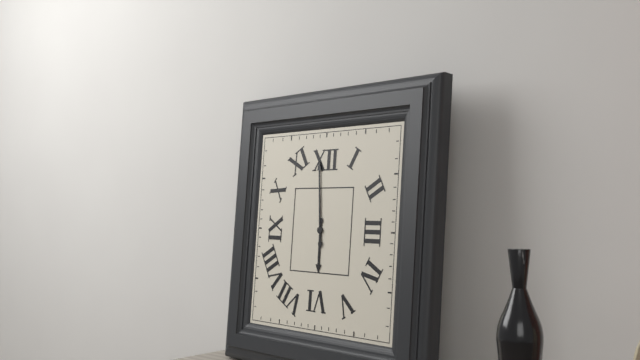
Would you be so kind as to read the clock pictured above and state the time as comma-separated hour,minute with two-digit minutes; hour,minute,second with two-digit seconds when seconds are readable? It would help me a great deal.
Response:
5,59
